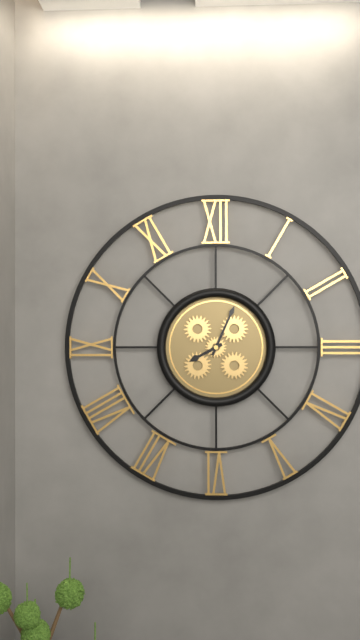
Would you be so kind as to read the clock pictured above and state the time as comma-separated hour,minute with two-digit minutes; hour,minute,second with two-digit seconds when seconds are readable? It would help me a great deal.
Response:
8,04
